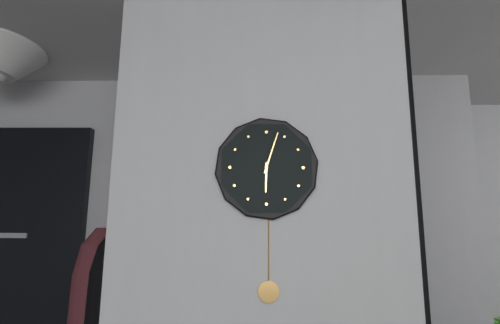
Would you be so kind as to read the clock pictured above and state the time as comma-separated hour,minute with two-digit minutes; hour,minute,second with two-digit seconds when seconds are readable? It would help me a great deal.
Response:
6,03
